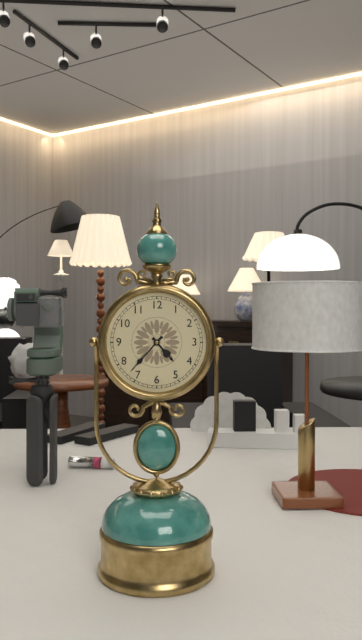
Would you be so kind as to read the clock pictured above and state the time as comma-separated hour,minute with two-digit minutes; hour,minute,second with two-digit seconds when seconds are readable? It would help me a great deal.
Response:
4,37
